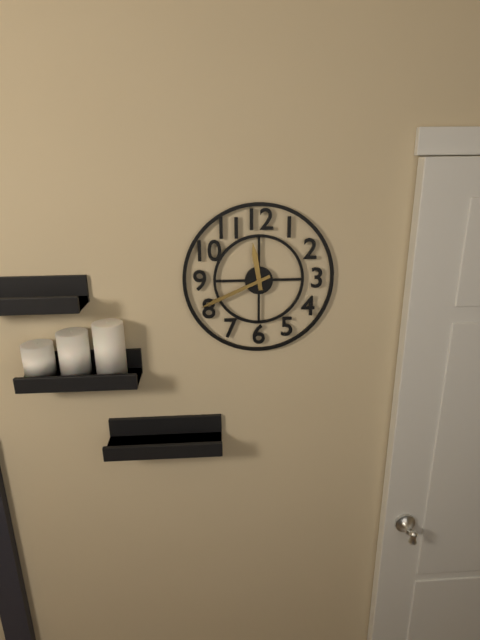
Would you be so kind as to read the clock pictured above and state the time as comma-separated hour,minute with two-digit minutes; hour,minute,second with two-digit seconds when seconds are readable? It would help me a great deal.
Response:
11,41
